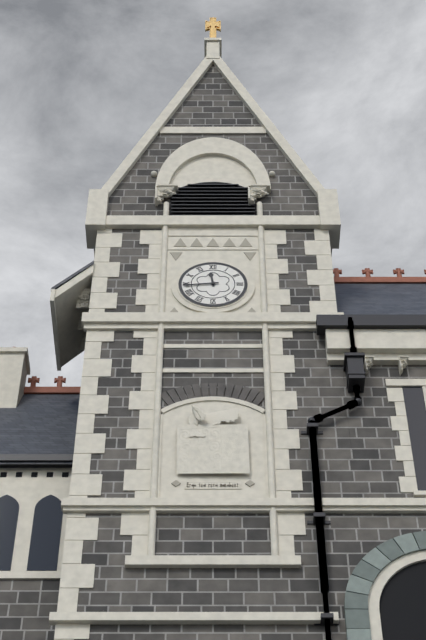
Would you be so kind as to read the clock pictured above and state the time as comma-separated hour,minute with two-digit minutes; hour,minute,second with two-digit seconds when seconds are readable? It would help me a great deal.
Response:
11,44
